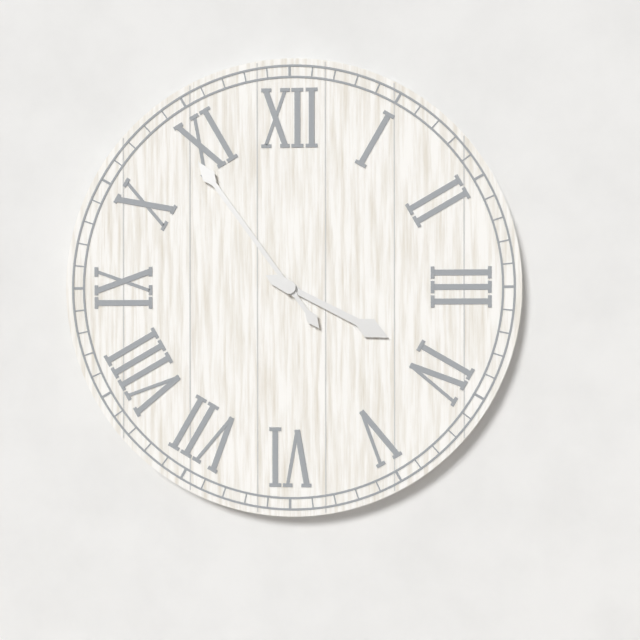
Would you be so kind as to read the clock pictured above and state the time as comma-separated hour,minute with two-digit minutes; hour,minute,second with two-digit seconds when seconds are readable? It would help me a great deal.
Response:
3,54
